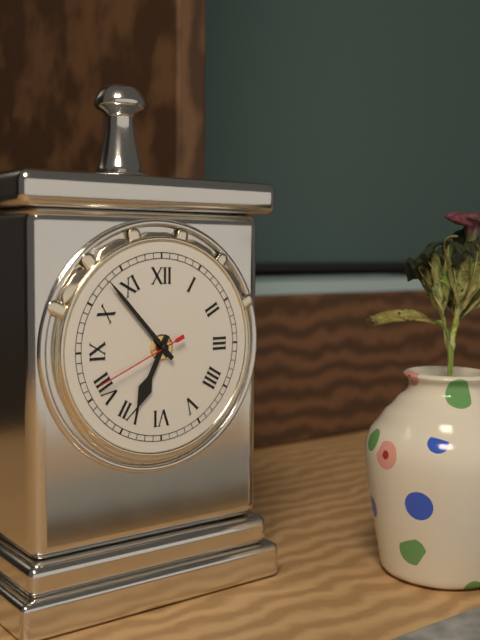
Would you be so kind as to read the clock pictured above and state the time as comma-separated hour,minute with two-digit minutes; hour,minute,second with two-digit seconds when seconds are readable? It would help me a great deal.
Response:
6,53,41
